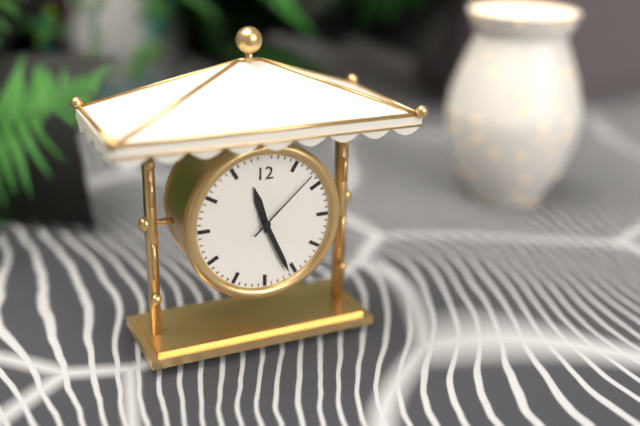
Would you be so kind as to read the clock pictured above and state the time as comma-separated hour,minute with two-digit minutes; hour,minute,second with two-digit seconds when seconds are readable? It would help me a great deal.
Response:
11,26,08
